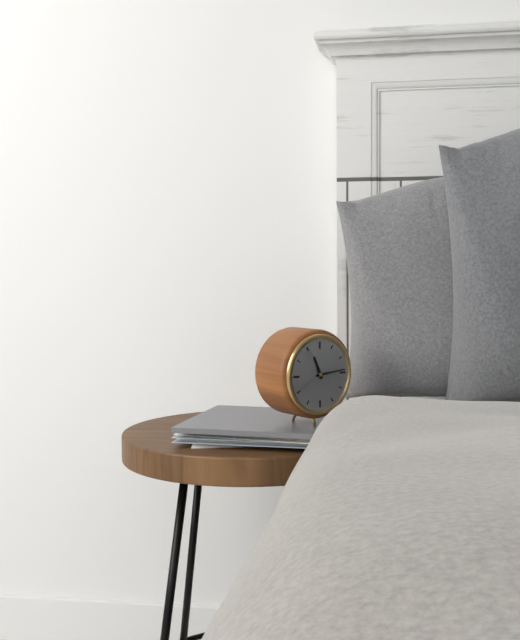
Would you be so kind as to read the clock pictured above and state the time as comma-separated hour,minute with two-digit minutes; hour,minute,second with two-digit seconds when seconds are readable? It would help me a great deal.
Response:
11,14
